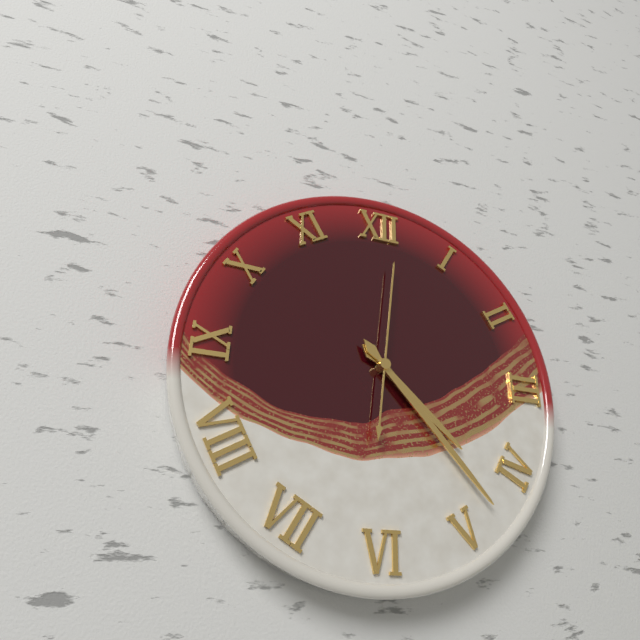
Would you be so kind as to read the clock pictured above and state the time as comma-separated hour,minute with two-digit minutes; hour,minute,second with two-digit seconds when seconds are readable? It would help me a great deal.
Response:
4,23,01
